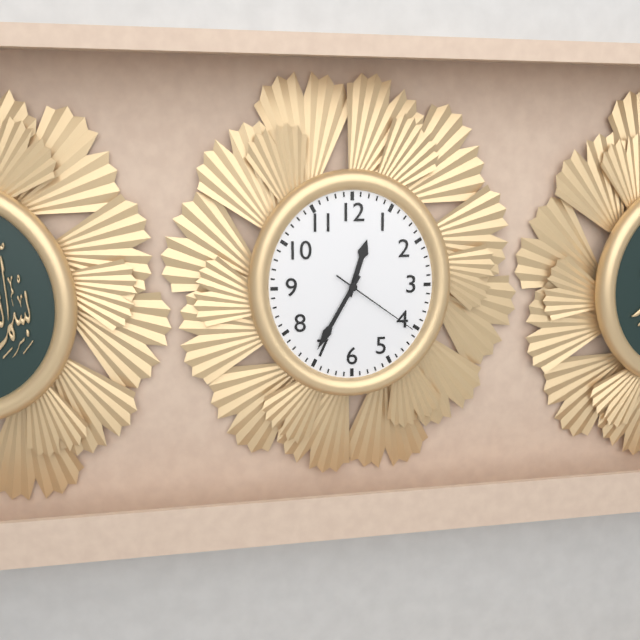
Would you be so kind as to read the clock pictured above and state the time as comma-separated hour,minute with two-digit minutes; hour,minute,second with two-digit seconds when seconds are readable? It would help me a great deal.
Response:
12,35,21
